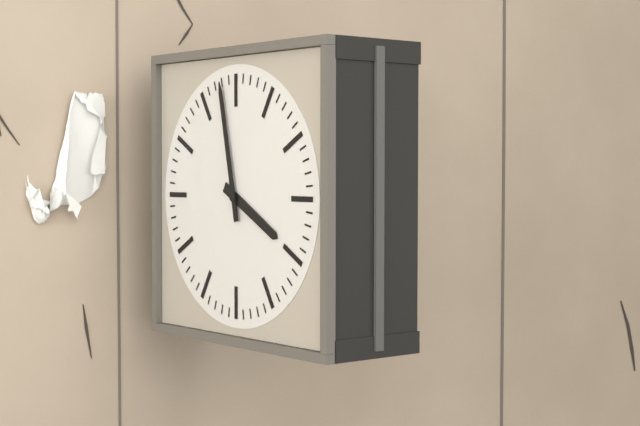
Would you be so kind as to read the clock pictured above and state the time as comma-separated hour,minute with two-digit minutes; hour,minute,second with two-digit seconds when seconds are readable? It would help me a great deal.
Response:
3,58
